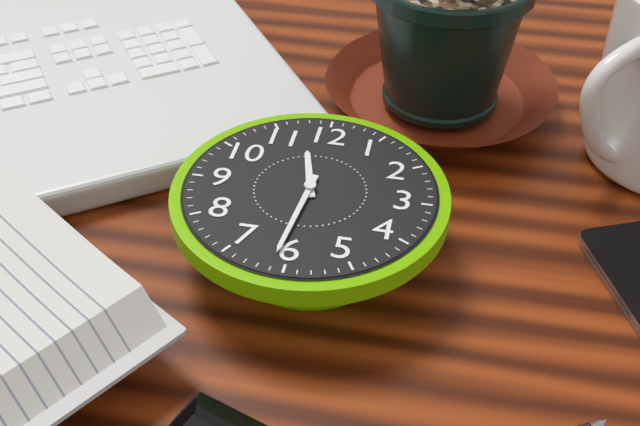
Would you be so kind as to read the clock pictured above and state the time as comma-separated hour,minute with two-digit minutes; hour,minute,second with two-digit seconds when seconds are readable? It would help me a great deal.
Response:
11,31
